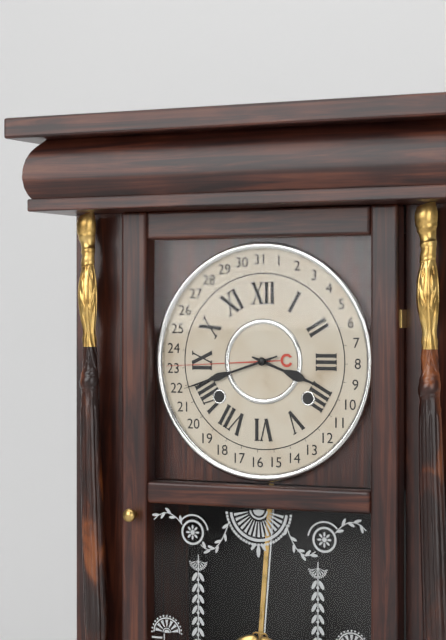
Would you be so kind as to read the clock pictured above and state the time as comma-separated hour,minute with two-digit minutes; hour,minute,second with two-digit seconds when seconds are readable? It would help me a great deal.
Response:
3,42
